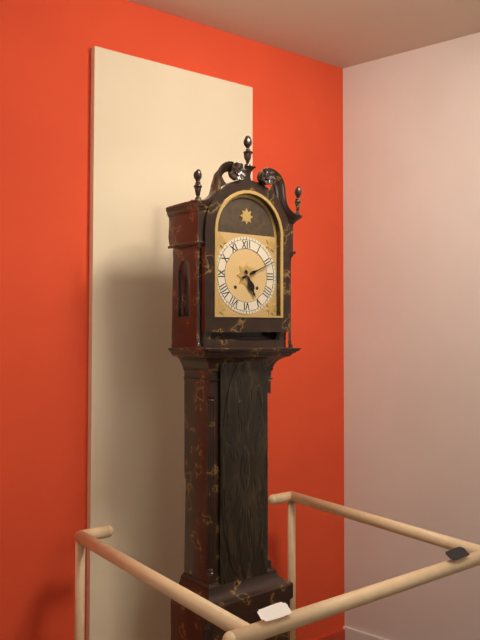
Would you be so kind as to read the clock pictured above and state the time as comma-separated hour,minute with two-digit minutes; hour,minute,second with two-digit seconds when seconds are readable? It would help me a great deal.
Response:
5,11
